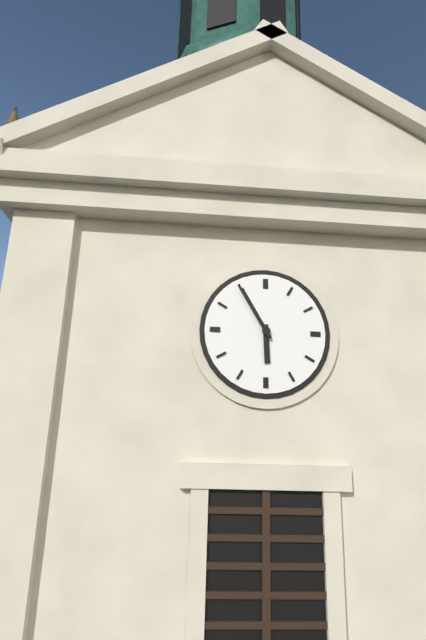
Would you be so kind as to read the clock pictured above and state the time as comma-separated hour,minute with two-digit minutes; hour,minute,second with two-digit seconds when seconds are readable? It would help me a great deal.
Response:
5,55
